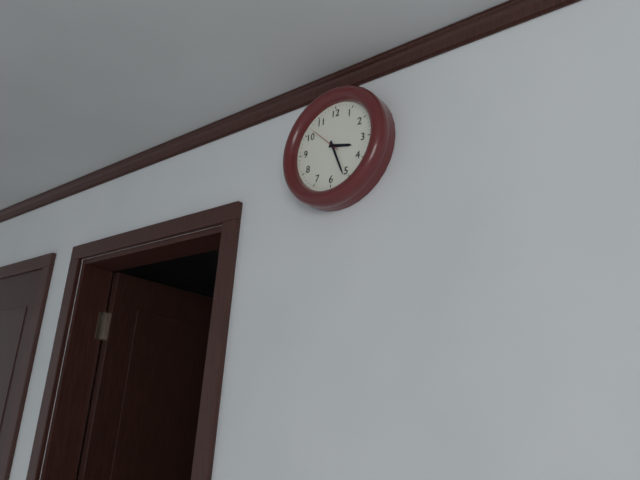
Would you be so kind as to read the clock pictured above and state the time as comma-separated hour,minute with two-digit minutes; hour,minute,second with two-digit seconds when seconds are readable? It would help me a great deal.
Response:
3,26
